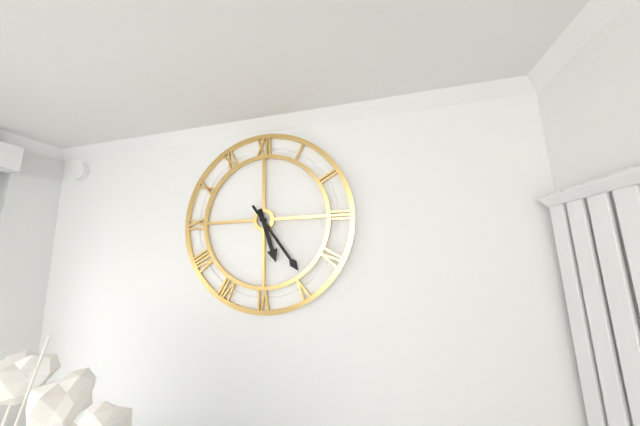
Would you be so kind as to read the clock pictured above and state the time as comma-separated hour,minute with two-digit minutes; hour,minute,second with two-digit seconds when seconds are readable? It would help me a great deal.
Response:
5,24
